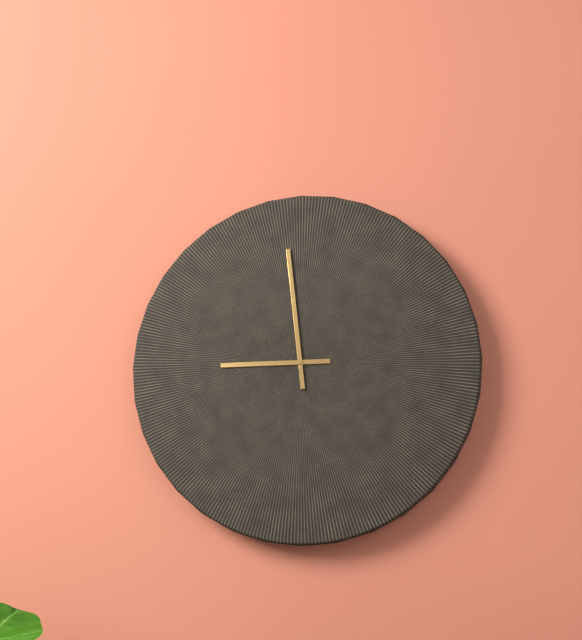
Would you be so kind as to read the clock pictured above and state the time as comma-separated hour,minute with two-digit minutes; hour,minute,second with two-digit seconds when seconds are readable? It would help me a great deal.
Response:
8,59
